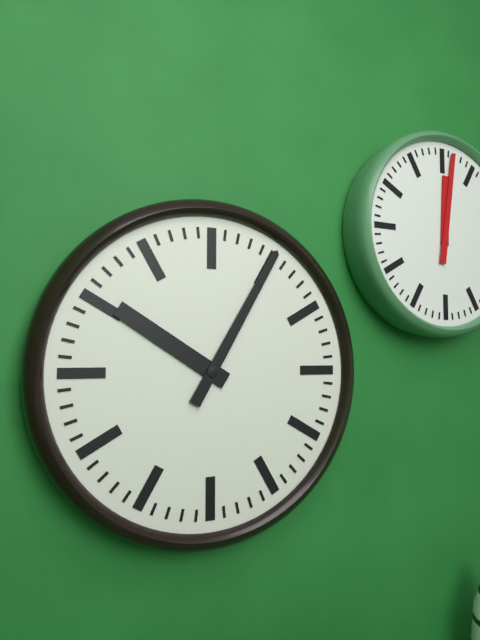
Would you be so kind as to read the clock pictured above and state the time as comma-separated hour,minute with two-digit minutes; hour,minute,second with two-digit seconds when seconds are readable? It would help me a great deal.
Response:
10,05
